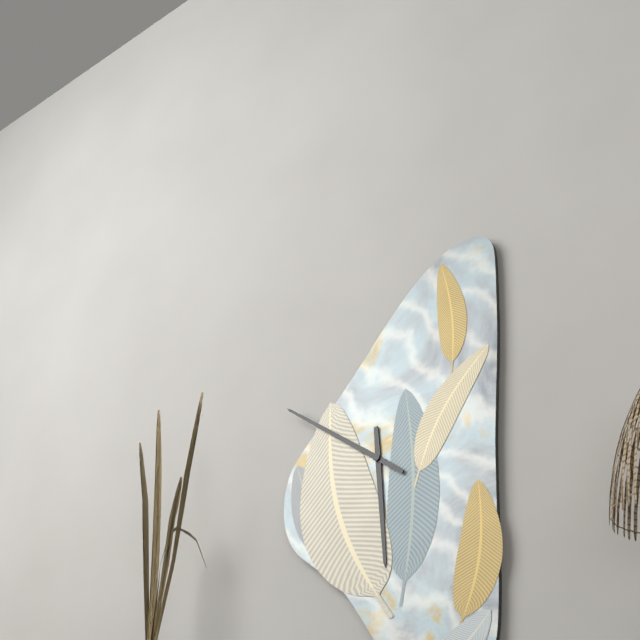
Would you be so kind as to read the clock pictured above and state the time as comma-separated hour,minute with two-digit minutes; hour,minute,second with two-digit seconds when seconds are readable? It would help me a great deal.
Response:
5,51
